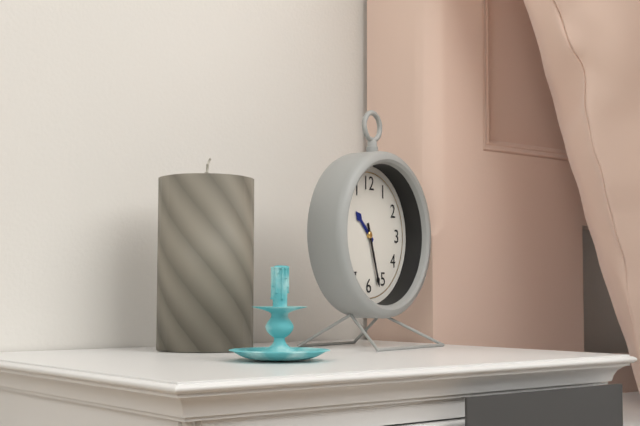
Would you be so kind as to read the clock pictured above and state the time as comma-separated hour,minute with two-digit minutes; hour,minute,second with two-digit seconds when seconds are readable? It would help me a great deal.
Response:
10,27
